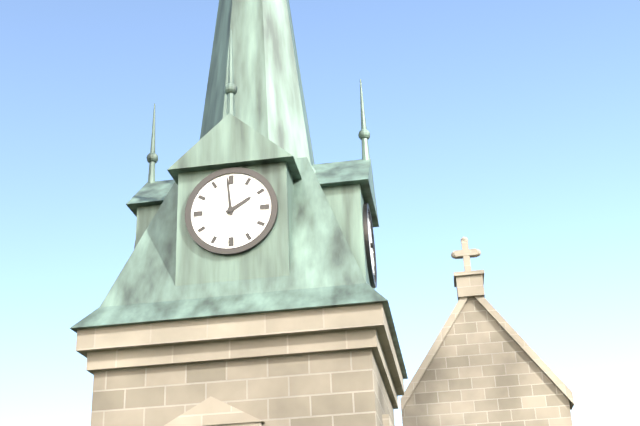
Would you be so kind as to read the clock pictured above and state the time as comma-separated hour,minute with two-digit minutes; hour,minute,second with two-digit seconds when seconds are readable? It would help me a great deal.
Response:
1,59
